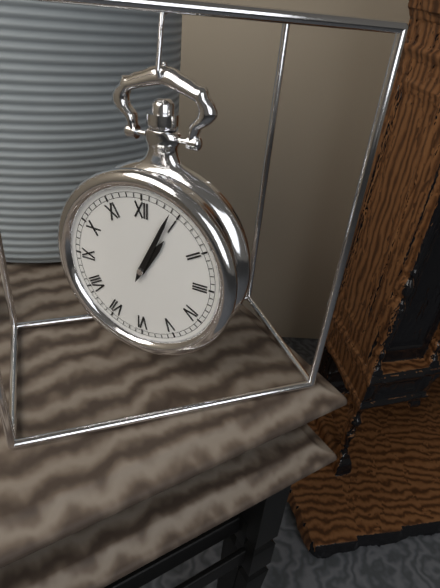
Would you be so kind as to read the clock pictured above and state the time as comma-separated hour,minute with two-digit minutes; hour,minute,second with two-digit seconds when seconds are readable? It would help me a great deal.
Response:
1,04
